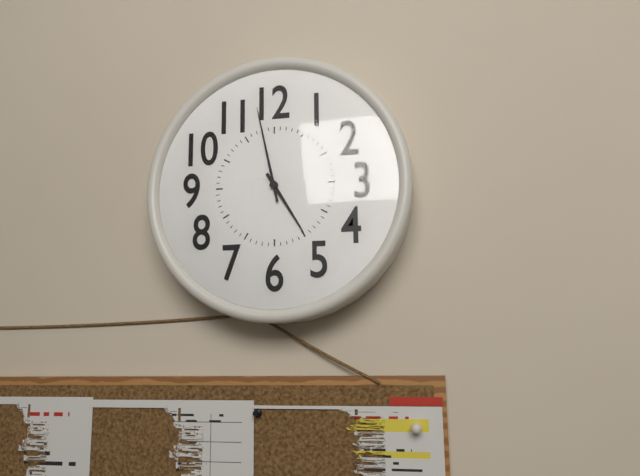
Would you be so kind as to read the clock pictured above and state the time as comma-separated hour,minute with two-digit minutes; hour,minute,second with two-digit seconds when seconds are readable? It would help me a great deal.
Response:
4,58
